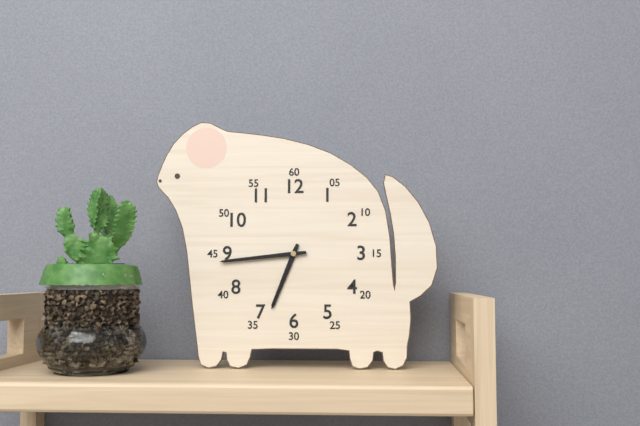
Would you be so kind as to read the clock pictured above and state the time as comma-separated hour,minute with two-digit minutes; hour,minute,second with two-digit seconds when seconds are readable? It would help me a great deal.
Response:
6,44
